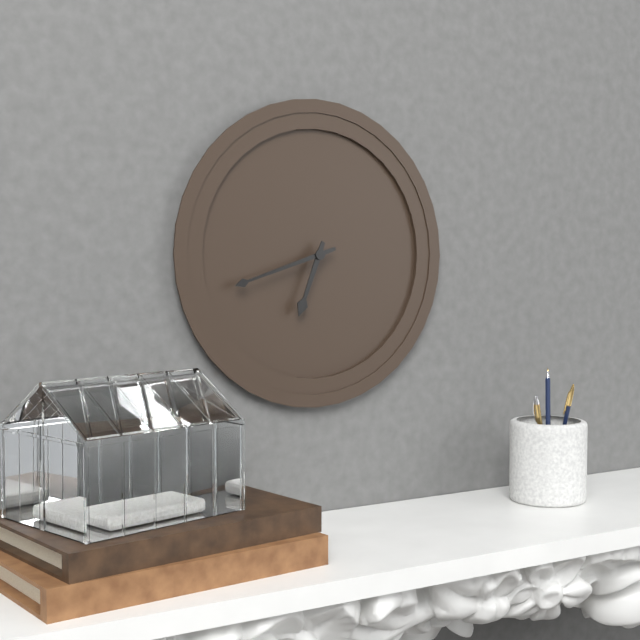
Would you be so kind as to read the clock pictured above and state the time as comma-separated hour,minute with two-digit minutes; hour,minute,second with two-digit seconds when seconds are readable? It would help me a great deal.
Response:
6,42
